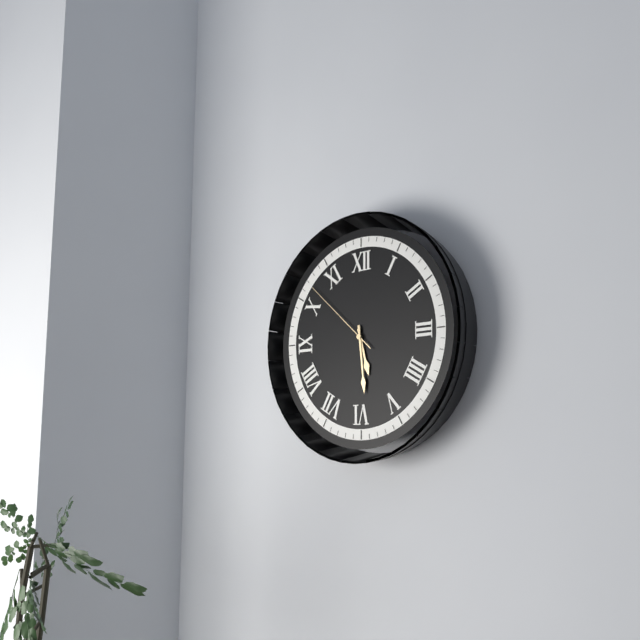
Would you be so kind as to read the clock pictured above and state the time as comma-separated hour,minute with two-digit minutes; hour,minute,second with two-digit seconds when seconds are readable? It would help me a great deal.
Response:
5,29,52
